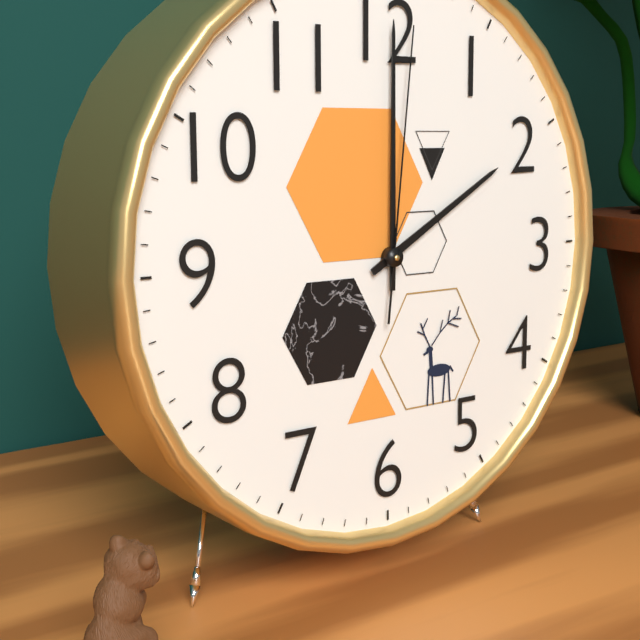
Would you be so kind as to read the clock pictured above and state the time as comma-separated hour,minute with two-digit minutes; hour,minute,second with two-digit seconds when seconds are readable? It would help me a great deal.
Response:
2,00,01
